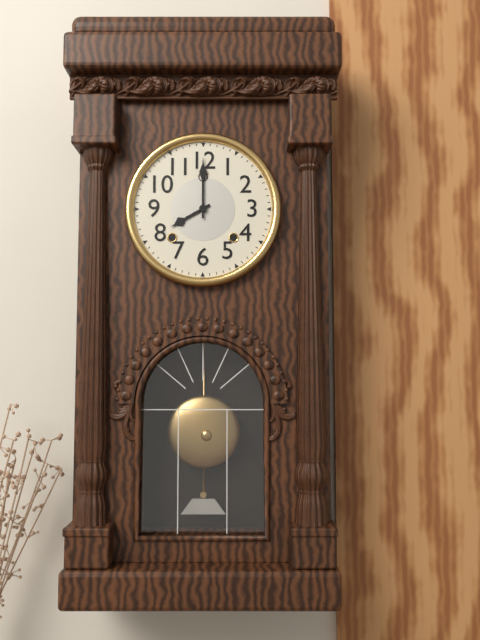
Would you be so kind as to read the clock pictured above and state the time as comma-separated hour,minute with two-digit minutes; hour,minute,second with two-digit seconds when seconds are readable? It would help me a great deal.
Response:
8,00
